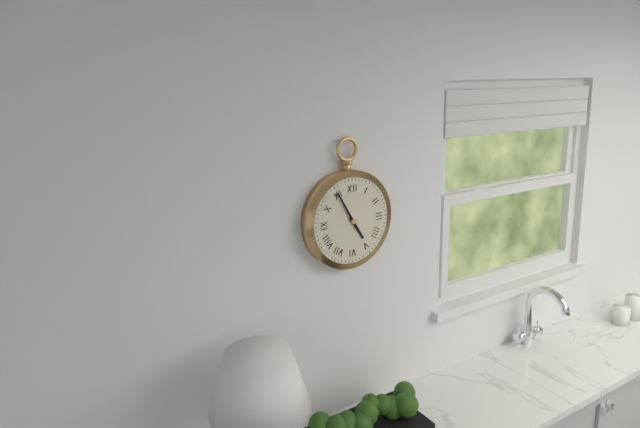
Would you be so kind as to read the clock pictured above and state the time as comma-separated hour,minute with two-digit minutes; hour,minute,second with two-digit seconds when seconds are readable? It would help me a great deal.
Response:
4,55
